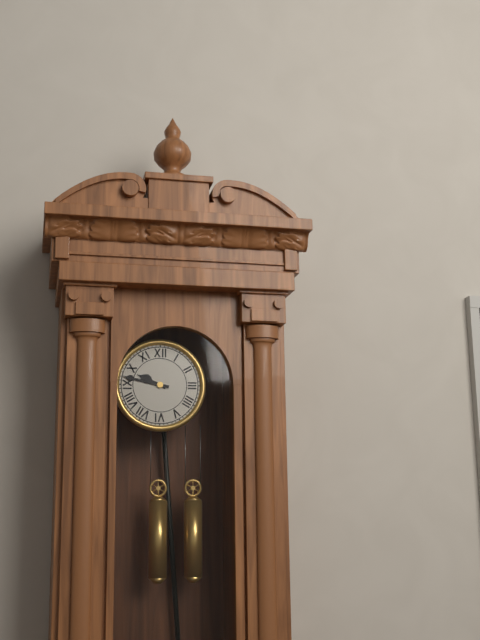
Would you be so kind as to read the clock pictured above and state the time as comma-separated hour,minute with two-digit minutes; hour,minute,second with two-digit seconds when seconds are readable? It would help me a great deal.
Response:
9,47
